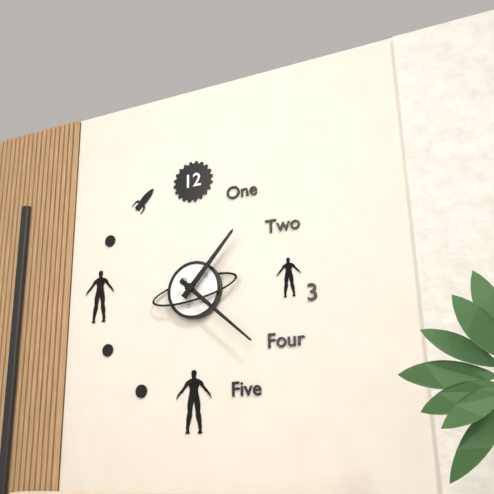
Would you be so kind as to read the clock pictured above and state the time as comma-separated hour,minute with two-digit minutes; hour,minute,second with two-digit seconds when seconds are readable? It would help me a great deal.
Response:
1,22
